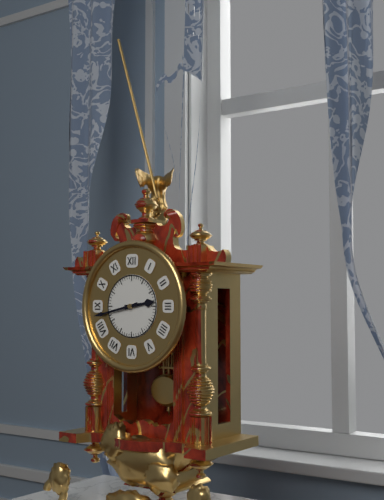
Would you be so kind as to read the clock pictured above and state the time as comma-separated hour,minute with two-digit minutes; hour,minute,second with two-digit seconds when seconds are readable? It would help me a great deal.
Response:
2,43
